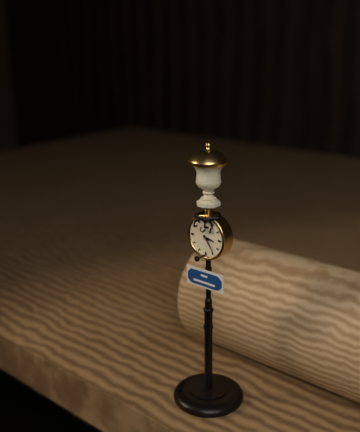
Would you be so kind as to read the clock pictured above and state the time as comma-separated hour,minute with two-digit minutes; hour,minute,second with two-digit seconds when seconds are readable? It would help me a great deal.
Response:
3,24
